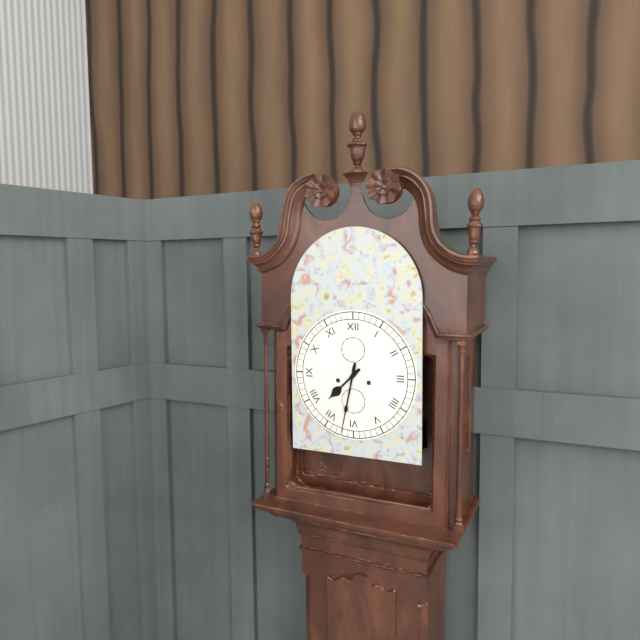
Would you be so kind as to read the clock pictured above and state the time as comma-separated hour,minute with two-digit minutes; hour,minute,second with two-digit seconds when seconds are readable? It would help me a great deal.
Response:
7,32
